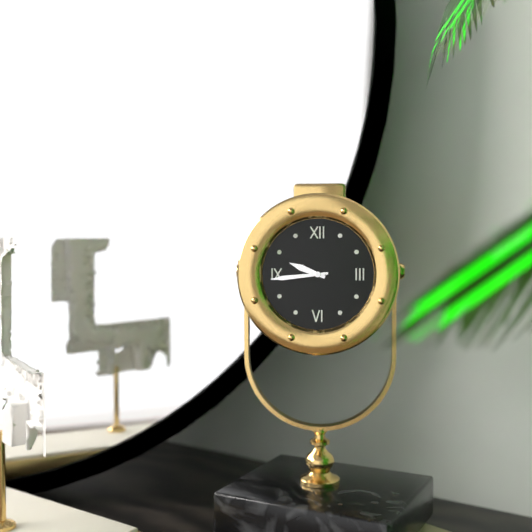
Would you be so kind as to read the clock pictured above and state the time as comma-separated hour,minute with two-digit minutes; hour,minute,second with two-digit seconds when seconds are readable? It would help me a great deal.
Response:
9,44
